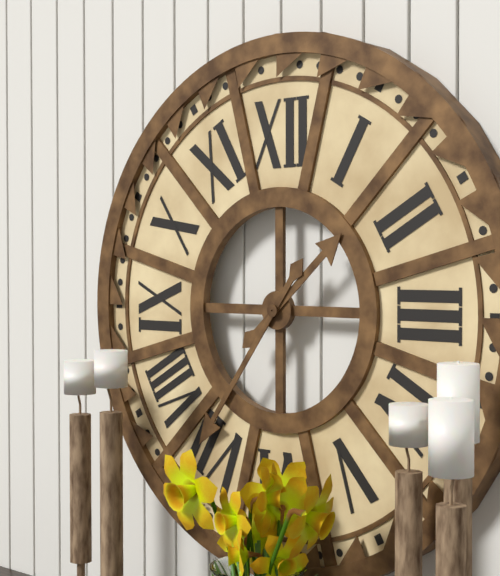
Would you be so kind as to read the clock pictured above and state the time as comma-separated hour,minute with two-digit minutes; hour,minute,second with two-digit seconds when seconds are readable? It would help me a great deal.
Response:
1,36
